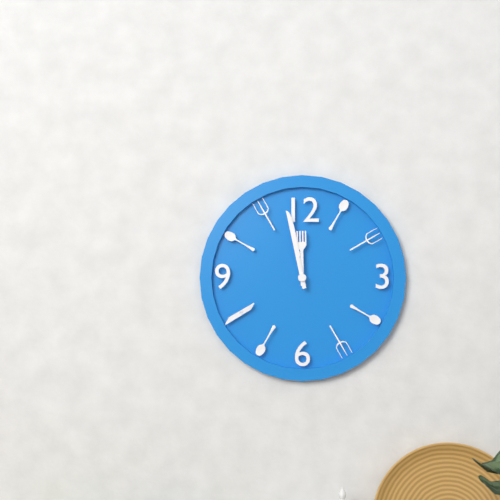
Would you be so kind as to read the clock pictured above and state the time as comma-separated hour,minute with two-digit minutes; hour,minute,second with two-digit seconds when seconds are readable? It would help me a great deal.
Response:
11,58
